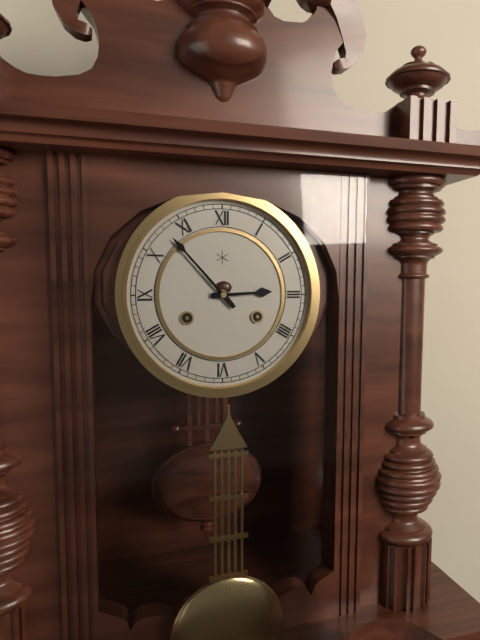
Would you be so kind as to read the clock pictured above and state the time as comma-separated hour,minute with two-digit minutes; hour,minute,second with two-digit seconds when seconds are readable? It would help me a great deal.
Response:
2,53
